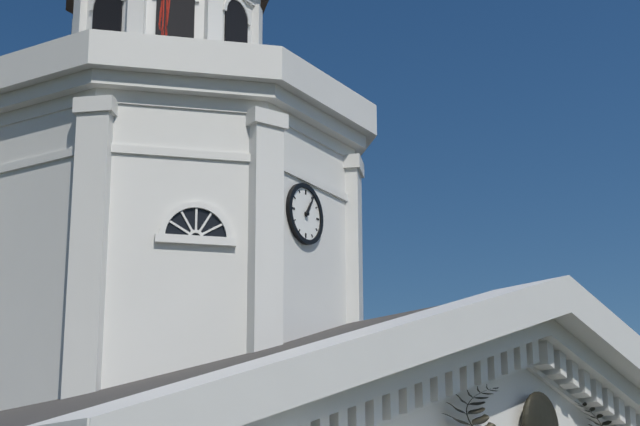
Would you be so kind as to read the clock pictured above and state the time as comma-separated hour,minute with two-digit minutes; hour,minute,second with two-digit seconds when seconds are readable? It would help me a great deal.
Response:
1,05
